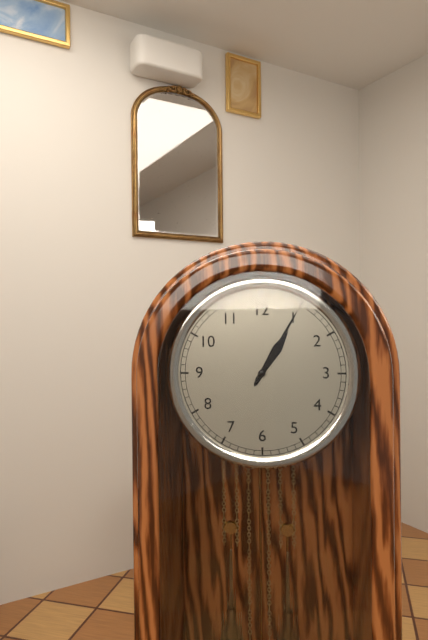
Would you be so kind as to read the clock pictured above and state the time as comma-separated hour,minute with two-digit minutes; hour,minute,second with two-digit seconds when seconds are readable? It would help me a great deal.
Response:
1,05
